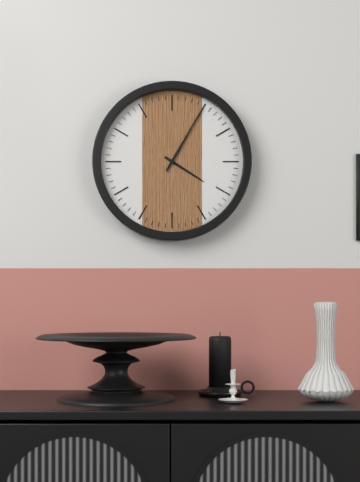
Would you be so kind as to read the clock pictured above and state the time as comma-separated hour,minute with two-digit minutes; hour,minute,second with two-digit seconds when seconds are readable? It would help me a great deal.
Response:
4,05
